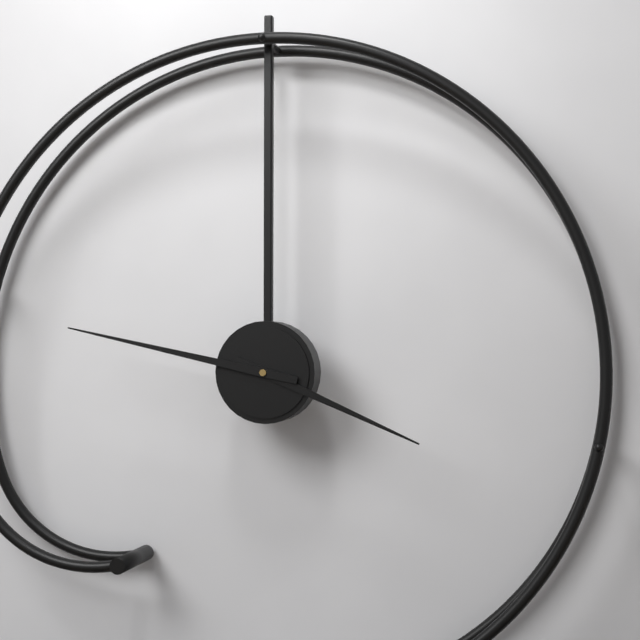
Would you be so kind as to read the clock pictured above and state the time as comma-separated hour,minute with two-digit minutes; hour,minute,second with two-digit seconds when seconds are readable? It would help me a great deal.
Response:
3,47
